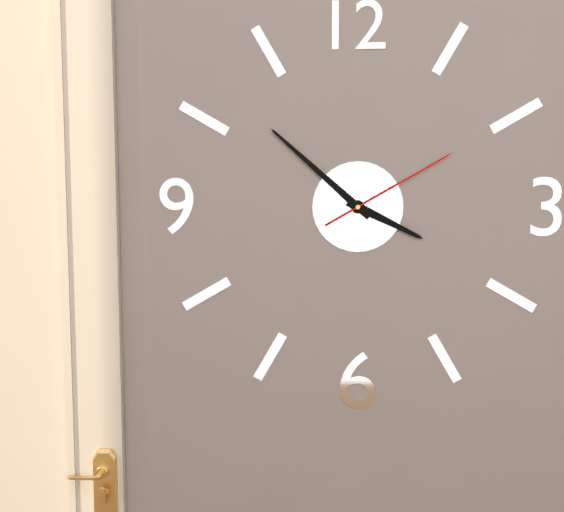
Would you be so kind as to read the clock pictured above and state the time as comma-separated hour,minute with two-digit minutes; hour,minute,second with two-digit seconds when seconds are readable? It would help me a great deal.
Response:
3,52,10
